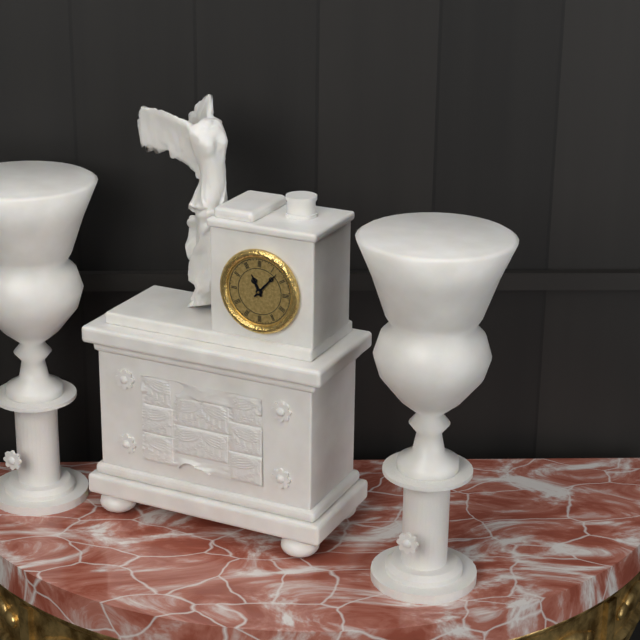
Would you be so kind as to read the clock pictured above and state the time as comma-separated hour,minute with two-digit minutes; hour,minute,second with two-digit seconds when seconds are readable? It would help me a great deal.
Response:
11,07
